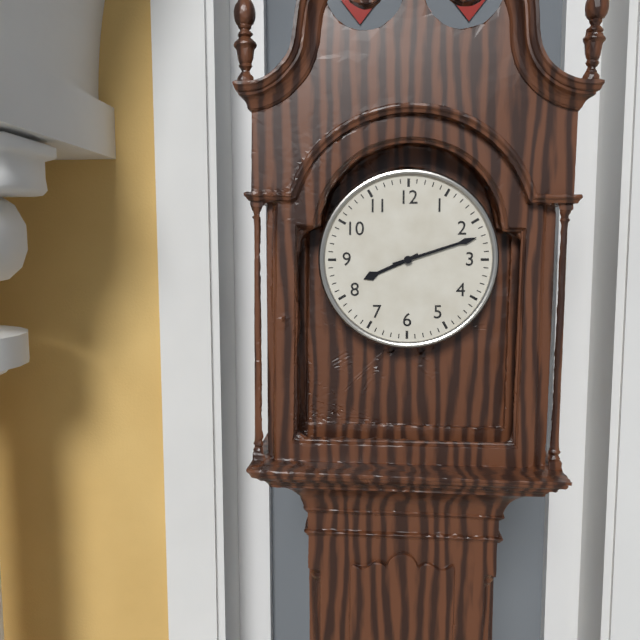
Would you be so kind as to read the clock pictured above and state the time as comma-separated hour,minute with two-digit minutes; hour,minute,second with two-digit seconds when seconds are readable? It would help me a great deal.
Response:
8,12
